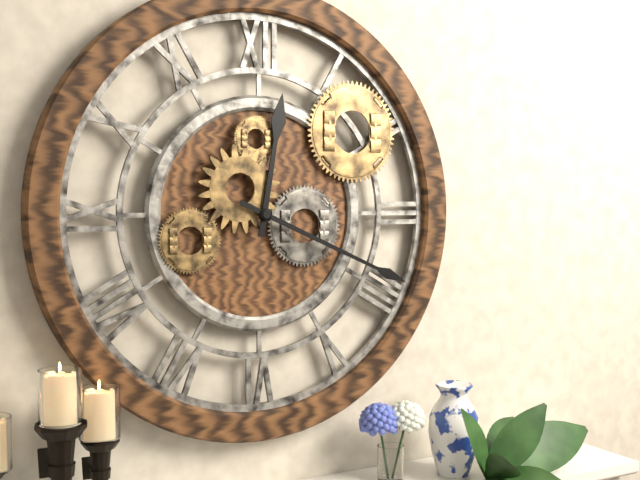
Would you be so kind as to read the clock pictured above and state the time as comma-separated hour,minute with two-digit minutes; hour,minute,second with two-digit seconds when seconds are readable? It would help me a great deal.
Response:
12,19
